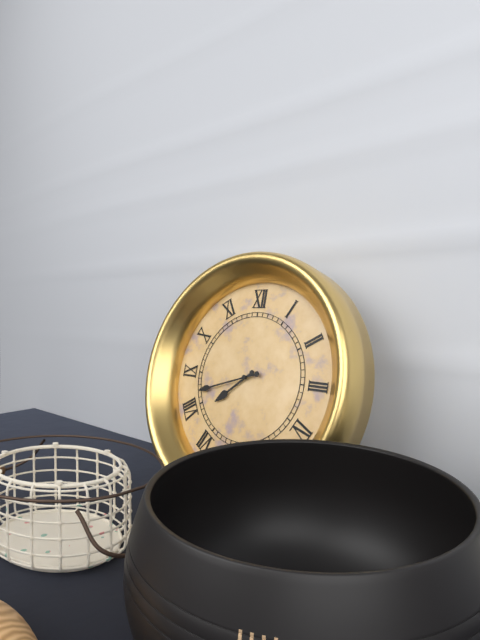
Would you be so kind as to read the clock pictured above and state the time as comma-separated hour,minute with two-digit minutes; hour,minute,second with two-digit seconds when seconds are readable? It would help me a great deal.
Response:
7,42
